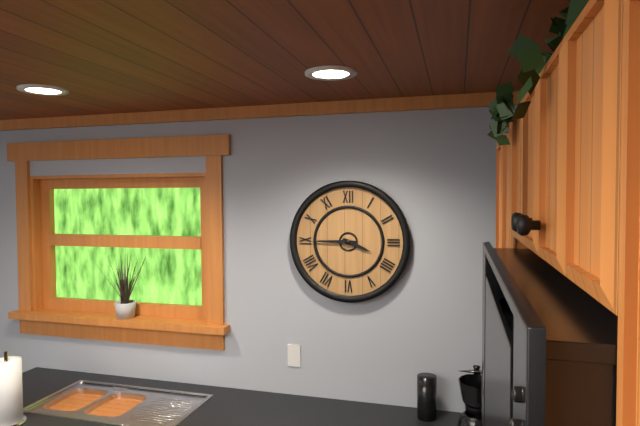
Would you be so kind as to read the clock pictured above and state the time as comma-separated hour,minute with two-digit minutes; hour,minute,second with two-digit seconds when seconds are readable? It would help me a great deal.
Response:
3,45
